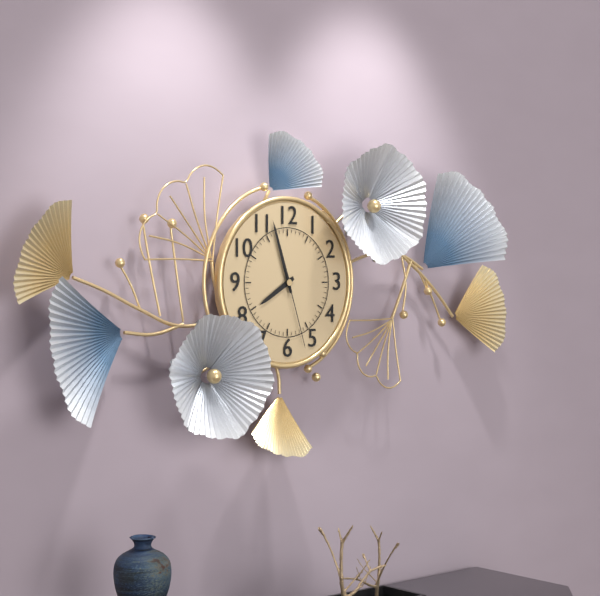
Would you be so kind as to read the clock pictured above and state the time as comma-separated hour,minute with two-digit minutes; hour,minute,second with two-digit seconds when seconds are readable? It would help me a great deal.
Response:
7,57,27
